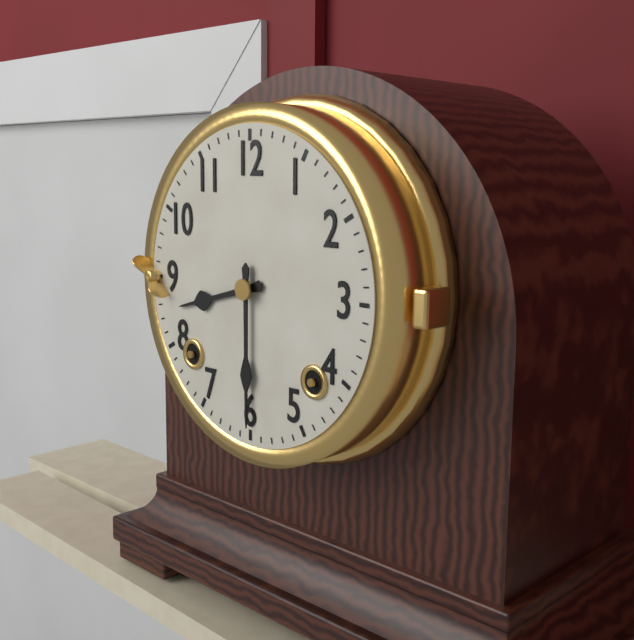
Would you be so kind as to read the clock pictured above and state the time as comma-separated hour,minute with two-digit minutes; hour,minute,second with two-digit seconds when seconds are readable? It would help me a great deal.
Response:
8,30
